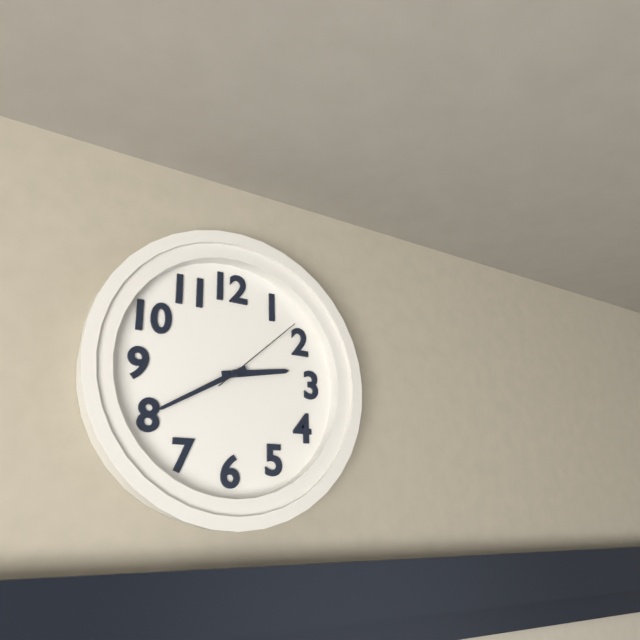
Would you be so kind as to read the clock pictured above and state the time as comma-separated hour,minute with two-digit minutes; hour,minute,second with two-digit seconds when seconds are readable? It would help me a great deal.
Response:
2,40,08
